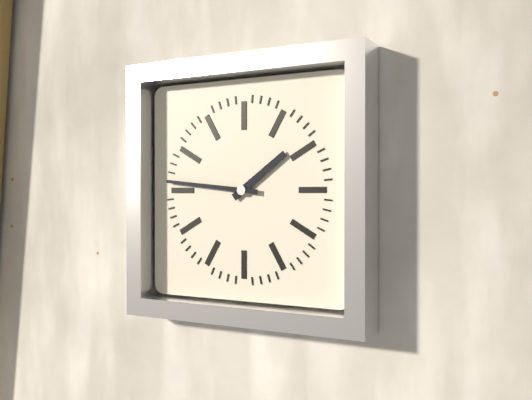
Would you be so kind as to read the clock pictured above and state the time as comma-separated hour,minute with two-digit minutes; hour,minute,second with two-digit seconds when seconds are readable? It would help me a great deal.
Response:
1,46
